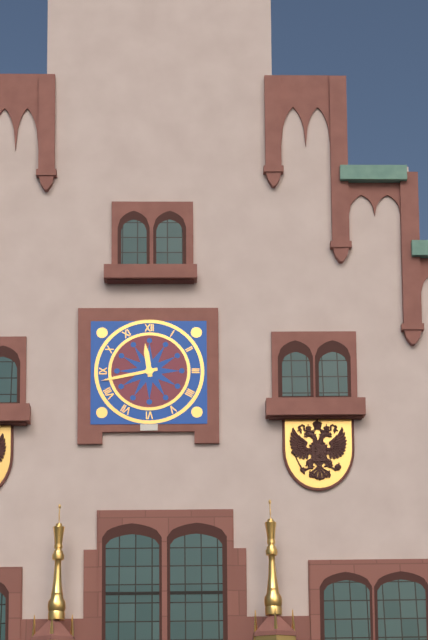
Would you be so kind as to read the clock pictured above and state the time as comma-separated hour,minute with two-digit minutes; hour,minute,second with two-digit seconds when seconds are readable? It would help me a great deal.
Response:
11,43
